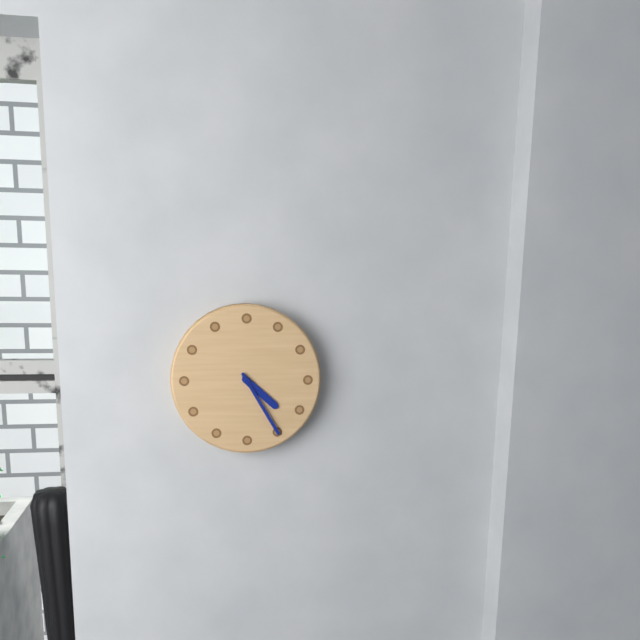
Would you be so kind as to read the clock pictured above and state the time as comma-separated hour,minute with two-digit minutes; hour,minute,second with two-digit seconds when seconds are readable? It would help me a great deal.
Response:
4,25
